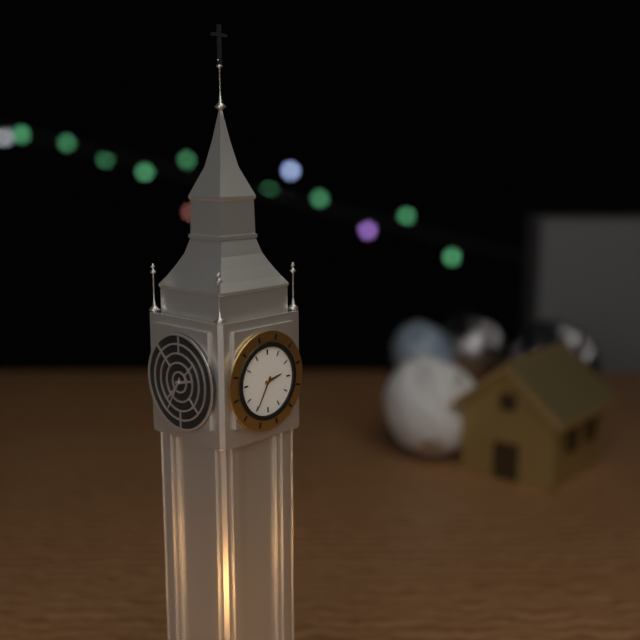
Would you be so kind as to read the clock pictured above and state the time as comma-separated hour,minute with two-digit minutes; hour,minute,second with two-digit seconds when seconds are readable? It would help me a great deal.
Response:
2,35
